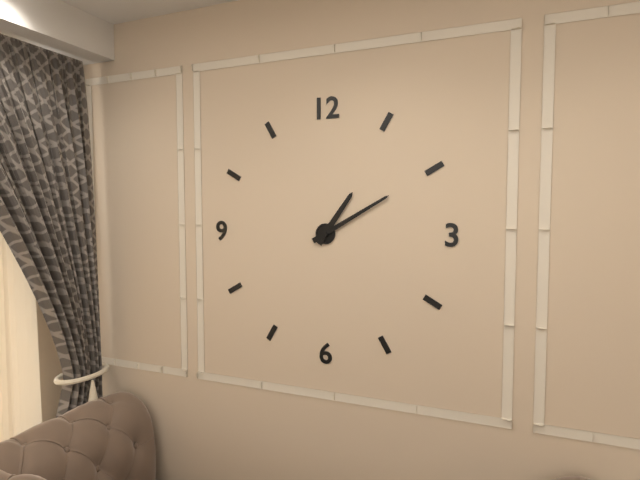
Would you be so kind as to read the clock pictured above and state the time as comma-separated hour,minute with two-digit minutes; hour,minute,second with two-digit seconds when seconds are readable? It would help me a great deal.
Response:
1,10
